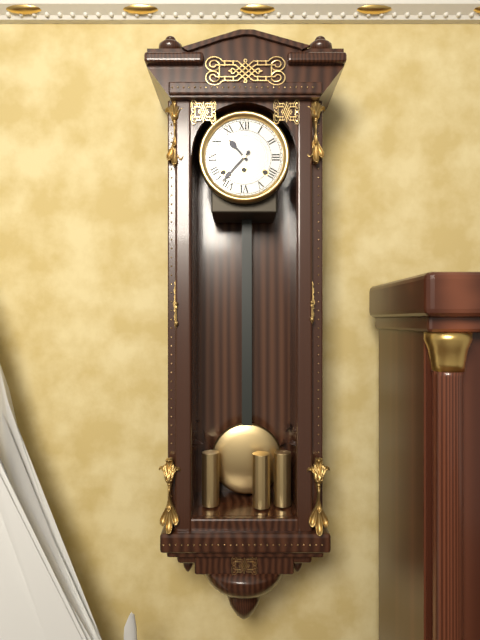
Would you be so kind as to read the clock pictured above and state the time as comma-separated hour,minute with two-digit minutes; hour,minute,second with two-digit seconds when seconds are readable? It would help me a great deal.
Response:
10,37
